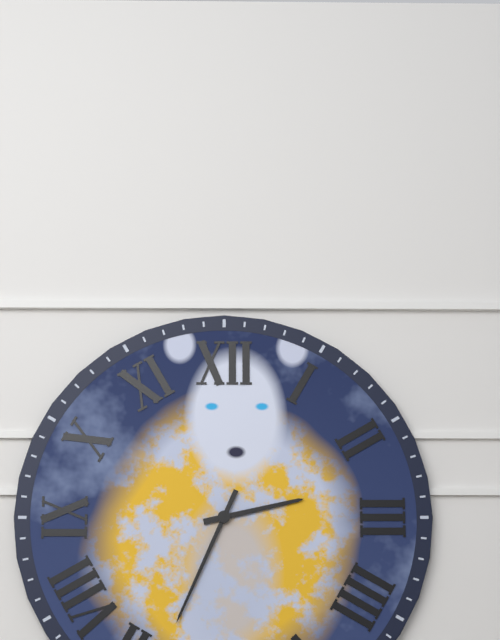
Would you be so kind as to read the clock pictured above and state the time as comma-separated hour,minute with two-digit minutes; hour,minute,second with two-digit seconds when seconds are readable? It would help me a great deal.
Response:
2,34
